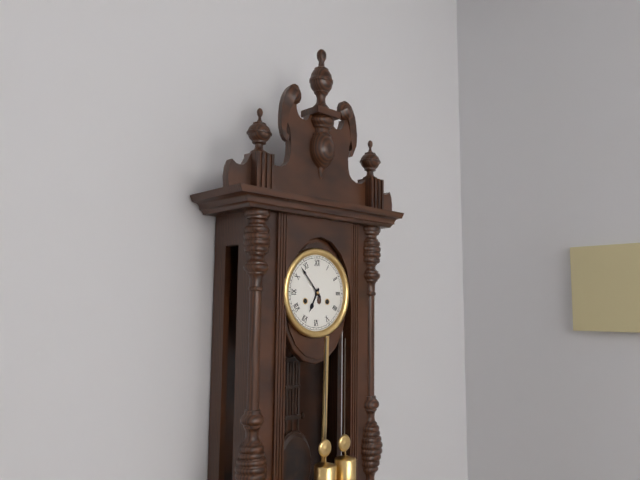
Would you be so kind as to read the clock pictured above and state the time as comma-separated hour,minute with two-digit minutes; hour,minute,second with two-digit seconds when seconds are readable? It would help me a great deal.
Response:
6,53
